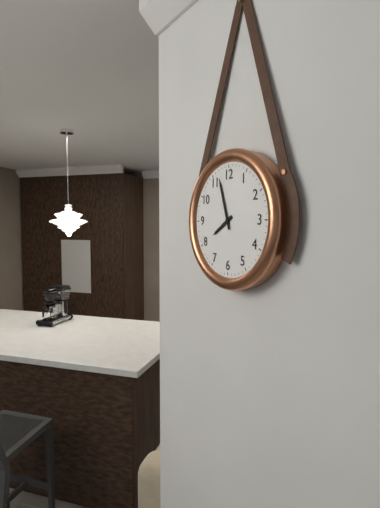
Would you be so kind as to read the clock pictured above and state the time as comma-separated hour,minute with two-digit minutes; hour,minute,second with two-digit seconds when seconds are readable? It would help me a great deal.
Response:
7,57
